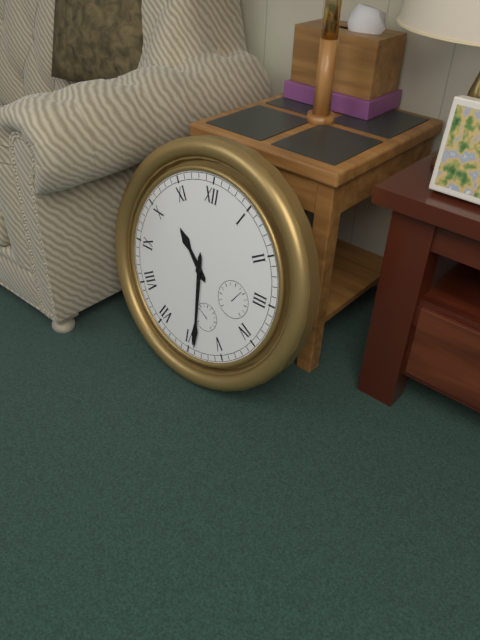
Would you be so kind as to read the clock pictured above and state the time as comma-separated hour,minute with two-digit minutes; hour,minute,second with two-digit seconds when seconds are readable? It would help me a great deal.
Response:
10,29
